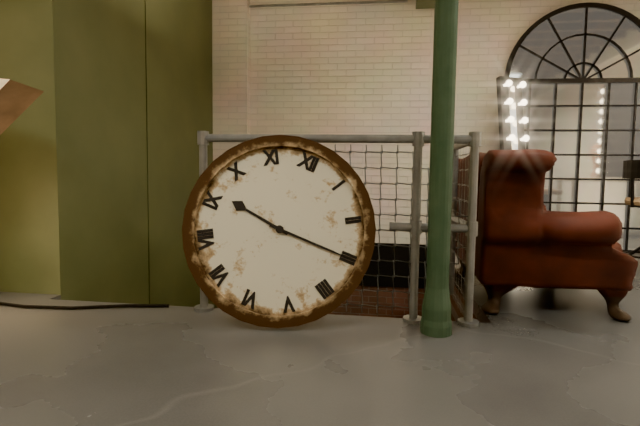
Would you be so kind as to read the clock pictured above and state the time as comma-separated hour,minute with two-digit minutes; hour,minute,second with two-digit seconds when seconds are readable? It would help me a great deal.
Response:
9,15
